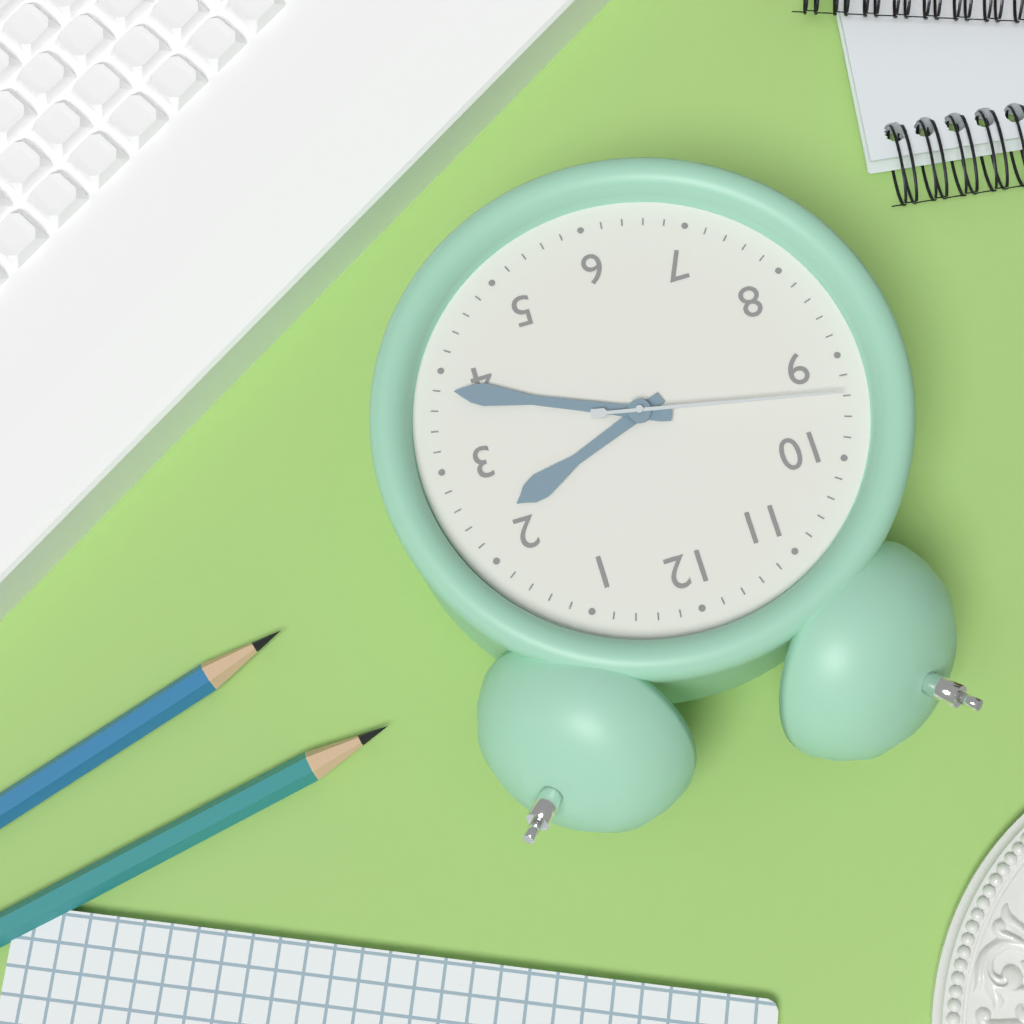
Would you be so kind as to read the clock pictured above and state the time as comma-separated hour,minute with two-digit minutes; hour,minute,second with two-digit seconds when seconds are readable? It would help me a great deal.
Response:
2,19,47
